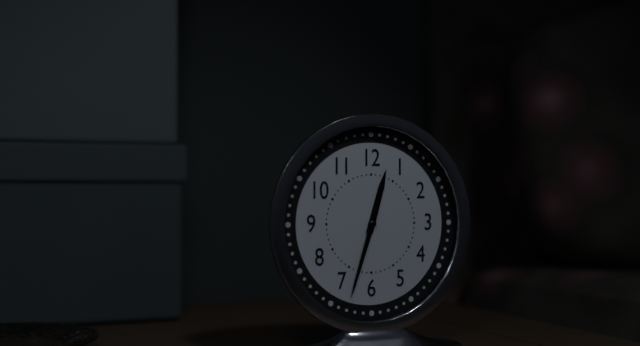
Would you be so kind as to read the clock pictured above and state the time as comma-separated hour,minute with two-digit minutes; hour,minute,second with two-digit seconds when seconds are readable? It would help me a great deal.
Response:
12,33
